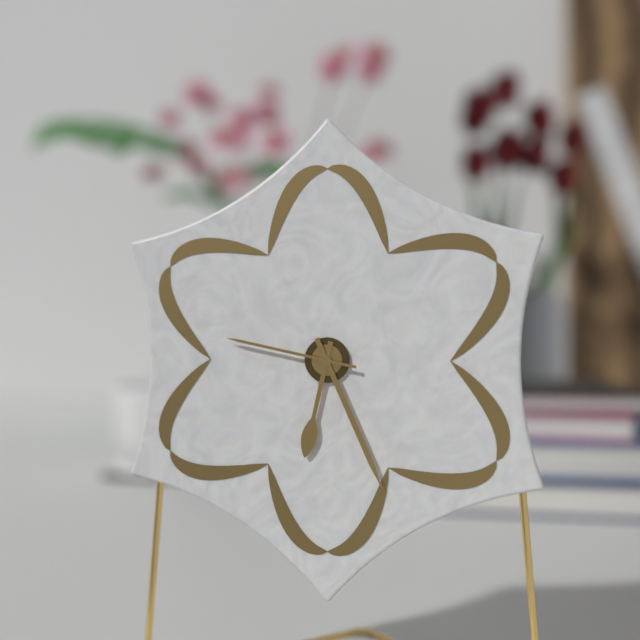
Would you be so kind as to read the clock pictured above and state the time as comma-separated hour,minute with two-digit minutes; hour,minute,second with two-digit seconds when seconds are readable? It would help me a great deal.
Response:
6,26,47
